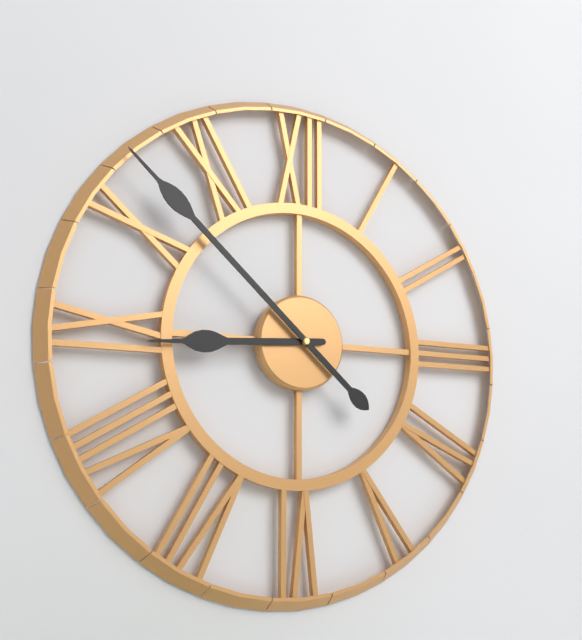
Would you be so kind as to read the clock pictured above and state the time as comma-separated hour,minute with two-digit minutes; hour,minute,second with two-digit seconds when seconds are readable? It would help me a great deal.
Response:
8,52
